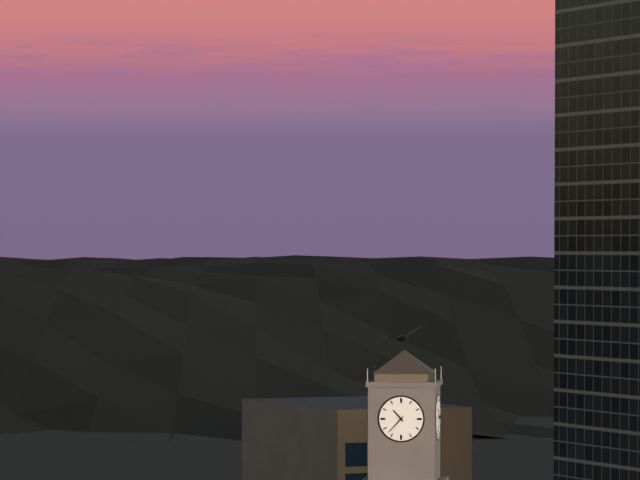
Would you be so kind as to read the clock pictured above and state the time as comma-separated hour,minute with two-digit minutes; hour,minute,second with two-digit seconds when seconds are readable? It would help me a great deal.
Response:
10,37
